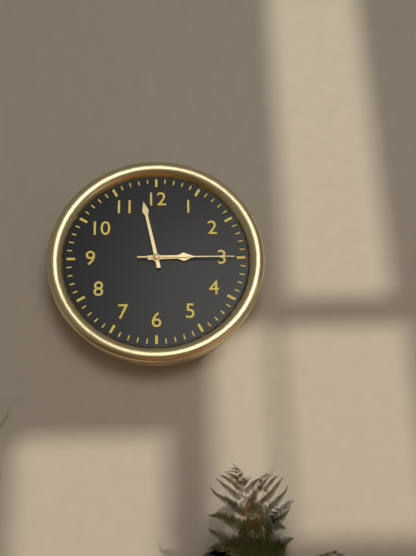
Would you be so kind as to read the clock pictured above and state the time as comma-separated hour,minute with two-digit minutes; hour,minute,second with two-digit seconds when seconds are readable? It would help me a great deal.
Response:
2,58,15
